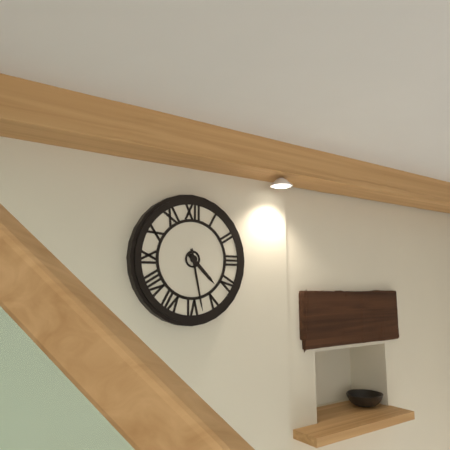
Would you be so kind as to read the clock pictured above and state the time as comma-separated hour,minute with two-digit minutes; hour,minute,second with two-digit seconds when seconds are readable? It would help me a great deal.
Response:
4,28
